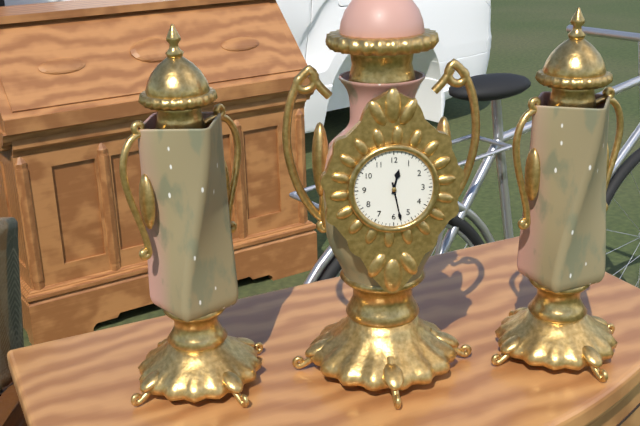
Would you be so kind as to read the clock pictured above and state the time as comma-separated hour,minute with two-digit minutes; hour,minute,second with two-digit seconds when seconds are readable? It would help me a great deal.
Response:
12,28
